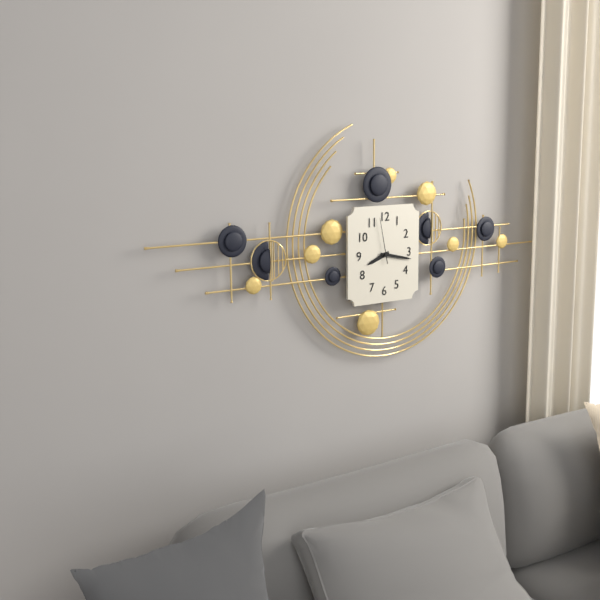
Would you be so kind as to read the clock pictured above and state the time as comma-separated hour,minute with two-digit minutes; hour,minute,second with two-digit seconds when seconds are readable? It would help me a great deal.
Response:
8,17
